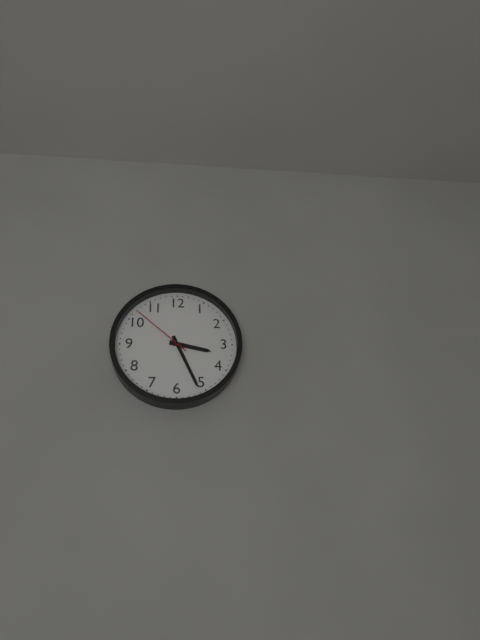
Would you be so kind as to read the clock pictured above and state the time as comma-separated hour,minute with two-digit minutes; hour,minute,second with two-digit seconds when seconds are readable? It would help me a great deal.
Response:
3,26,52
